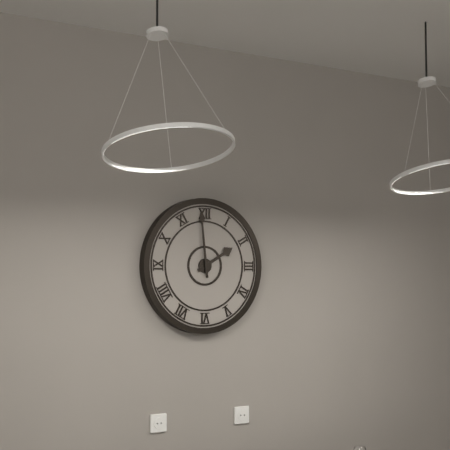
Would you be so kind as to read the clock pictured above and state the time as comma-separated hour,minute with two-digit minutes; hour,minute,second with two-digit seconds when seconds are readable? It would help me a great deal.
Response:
1,59
